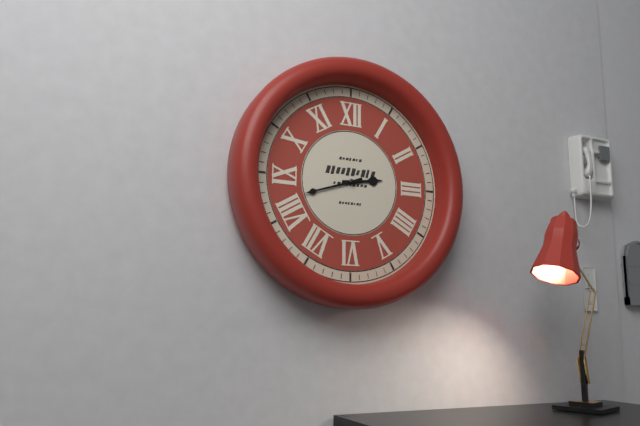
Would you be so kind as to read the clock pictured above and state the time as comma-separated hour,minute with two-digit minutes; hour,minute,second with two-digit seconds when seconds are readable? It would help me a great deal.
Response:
2,42
